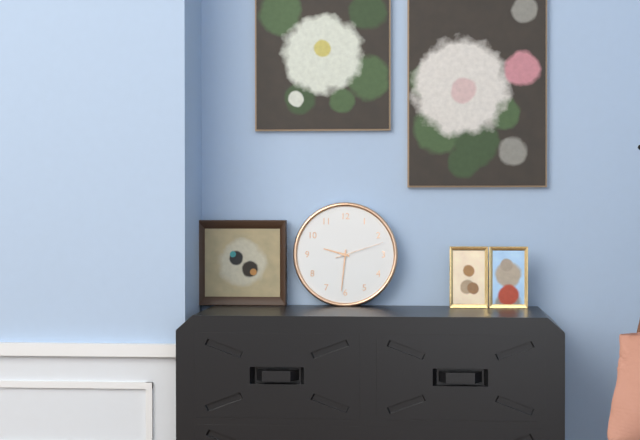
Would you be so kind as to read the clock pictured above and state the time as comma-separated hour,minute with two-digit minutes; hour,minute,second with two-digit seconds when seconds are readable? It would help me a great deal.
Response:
9,31
